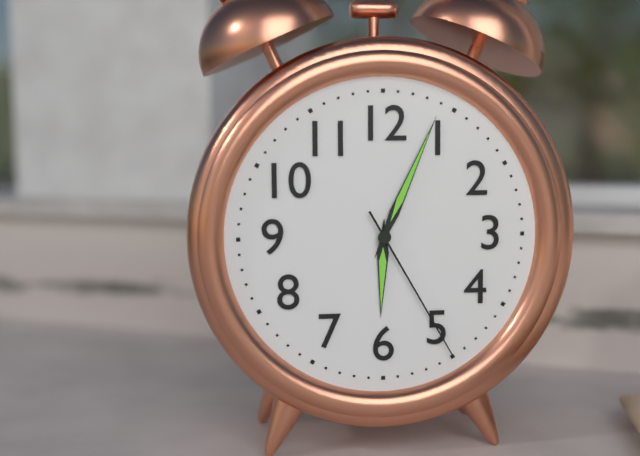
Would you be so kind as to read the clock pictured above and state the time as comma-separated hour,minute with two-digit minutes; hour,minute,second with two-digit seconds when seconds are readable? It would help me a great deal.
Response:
6,04,25
